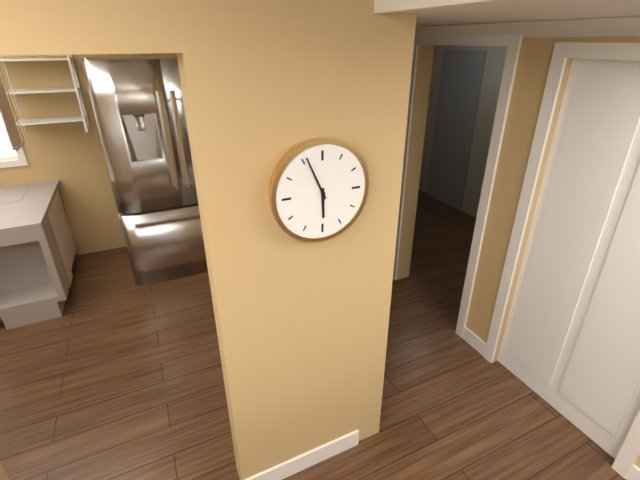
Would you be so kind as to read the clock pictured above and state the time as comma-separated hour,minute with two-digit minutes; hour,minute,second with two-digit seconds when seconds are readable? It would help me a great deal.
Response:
5,56
